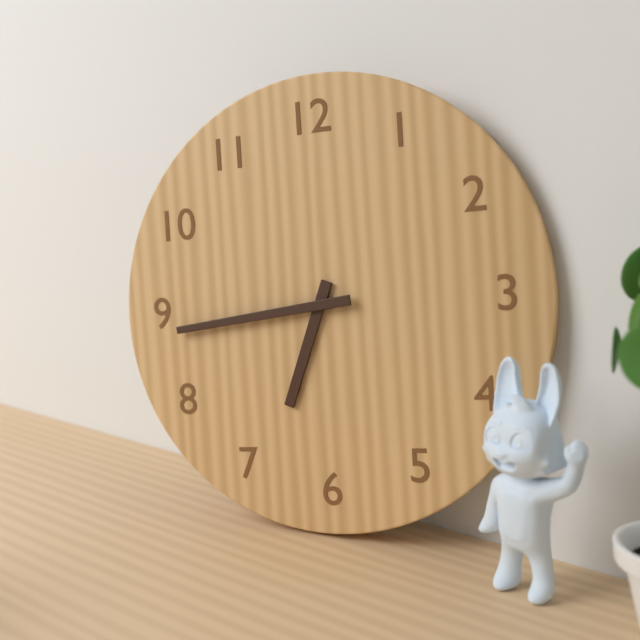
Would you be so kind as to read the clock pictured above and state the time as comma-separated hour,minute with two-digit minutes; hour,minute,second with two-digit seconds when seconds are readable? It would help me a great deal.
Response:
6,44
